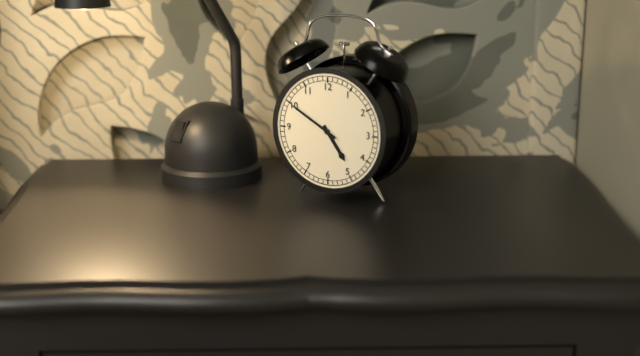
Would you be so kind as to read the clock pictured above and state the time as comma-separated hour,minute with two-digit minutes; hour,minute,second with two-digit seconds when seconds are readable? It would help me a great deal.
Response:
4,50
